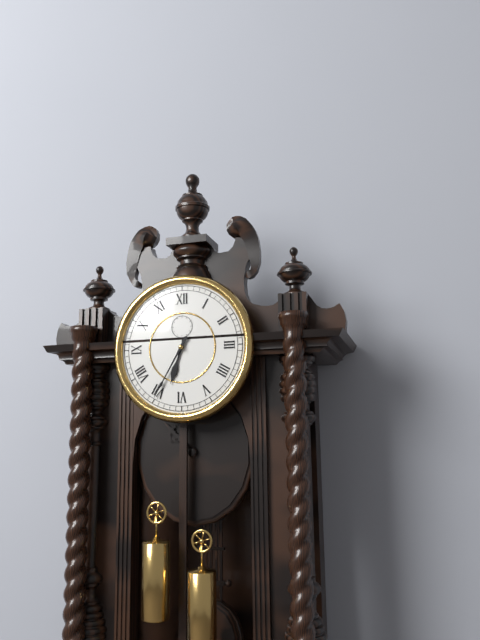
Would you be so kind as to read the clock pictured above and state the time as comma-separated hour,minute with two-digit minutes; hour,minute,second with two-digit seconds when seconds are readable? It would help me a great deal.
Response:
6,35
